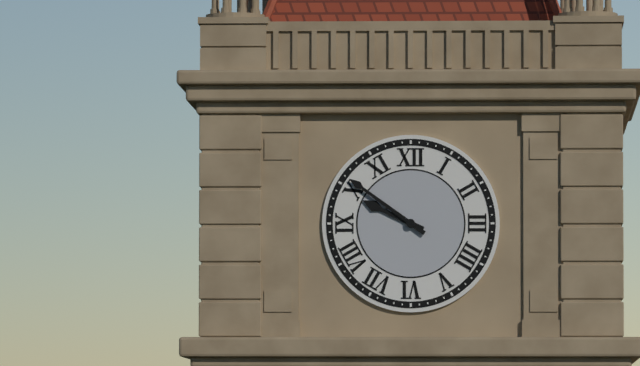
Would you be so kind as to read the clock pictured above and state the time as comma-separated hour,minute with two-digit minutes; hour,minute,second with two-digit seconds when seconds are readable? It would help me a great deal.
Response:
9,51
